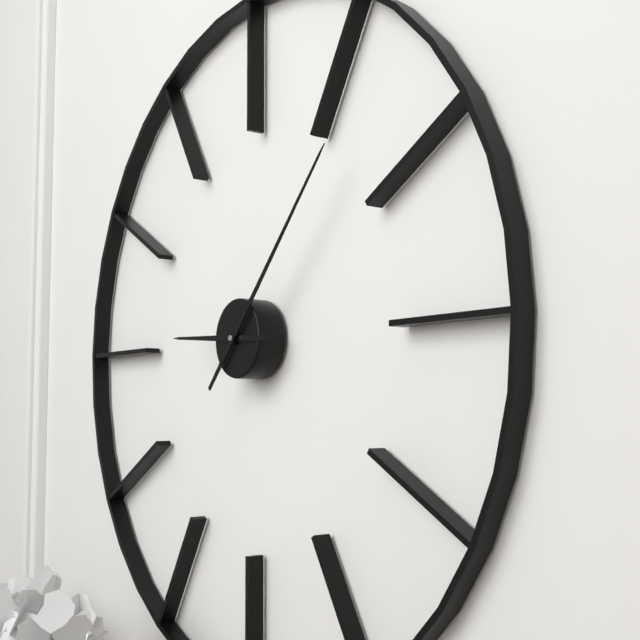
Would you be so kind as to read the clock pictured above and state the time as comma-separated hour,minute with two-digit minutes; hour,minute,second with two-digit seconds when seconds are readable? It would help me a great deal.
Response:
9,07
